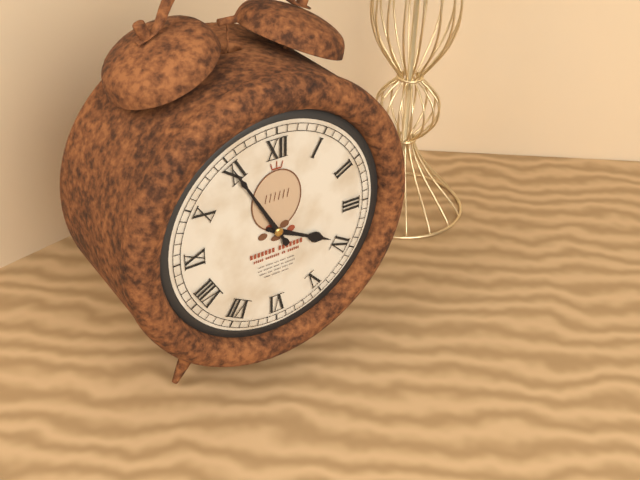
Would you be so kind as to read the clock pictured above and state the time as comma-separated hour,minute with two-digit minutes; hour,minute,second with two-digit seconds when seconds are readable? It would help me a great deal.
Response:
3,55
